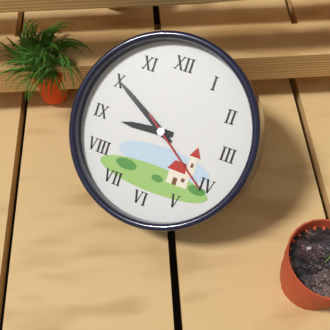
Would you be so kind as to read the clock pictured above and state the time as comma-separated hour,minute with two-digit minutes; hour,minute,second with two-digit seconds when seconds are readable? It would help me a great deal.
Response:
8,50,21
